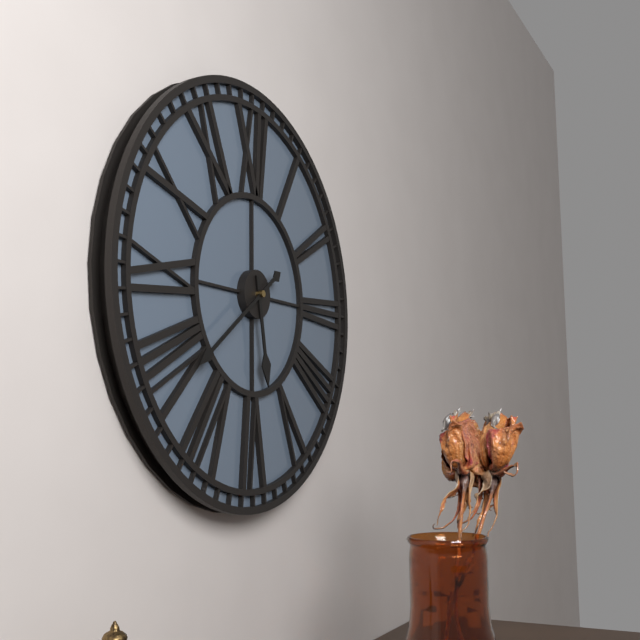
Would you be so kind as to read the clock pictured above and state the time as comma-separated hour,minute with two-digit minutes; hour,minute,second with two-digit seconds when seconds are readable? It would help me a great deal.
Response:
5,39
